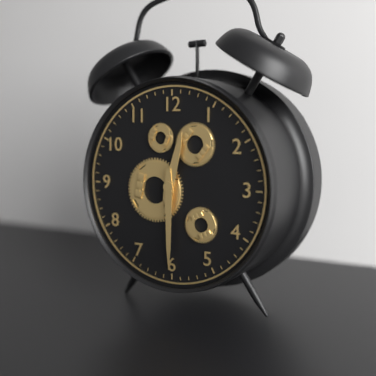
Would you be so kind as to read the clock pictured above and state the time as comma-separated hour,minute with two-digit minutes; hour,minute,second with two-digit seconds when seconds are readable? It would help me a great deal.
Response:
12,30
